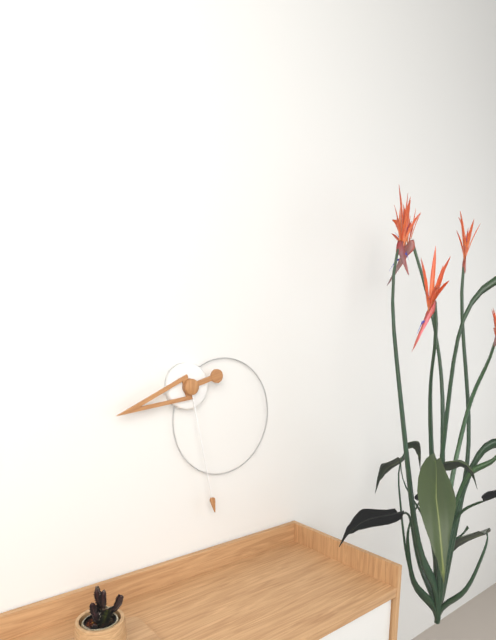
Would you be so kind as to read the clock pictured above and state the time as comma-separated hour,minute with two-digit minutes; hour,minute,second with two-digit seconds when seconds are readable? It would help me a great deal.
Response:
8,28
